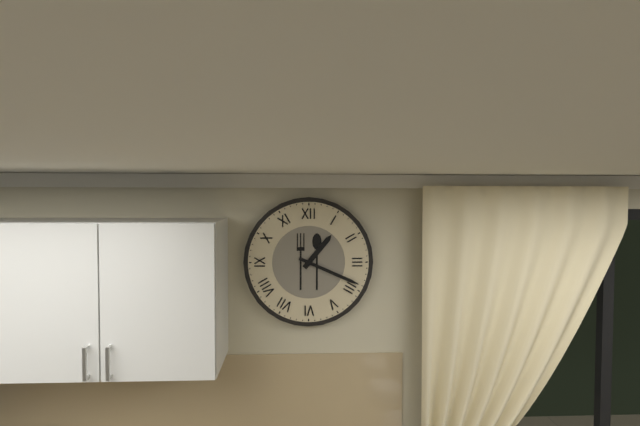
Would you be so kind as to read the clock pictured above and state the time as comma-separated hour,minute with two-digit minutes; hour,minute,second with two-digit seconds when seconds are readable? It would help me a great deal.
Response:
1,19
